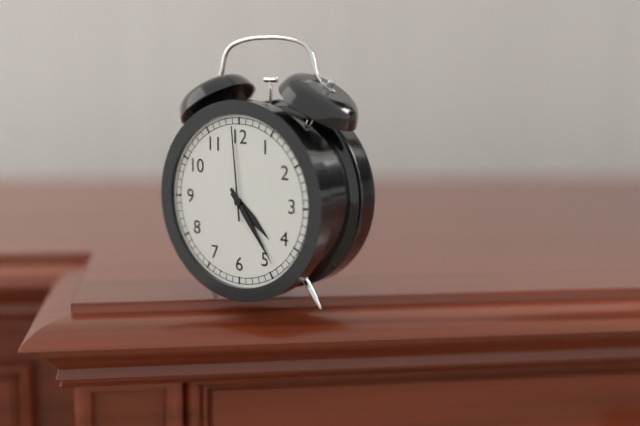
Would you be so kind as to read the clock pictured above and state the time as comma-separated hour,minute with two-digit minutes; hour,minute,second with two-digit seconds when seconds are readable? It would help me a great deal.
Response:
4,24,59
